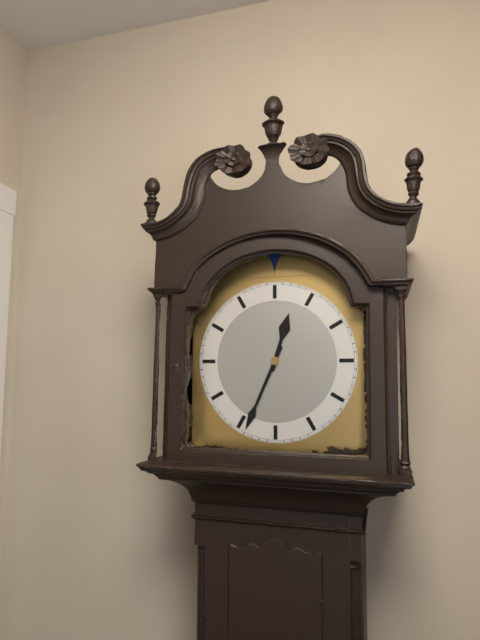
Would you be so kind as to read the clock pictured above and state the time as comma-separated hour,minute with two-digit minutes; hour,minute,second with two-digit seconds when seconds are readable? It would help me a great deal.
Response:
12,34
